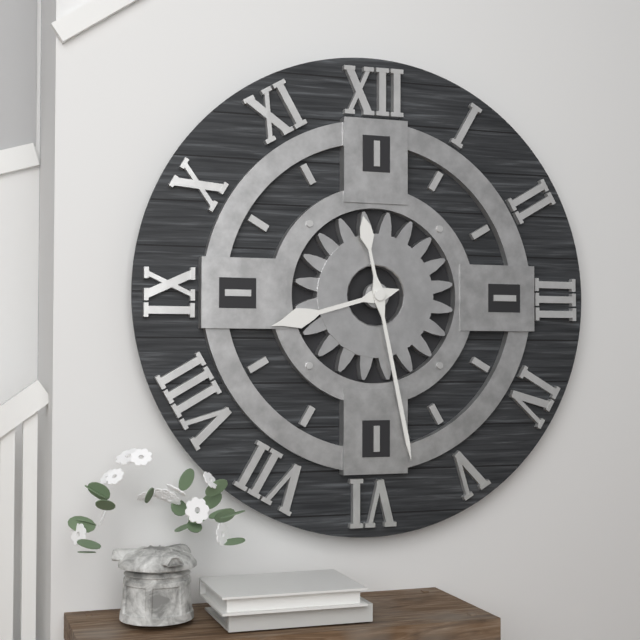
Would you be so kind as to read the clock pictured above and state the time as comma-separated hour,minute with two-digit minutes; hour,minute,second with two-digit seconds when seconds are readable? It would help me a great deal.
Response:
8,28
